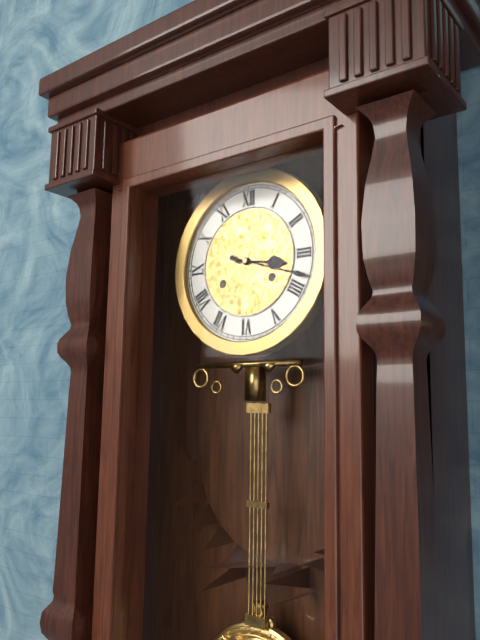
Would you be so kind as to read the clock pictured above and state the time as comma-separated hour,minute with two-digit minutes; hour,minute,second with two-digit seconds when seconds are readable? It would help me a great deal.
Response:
3,18
